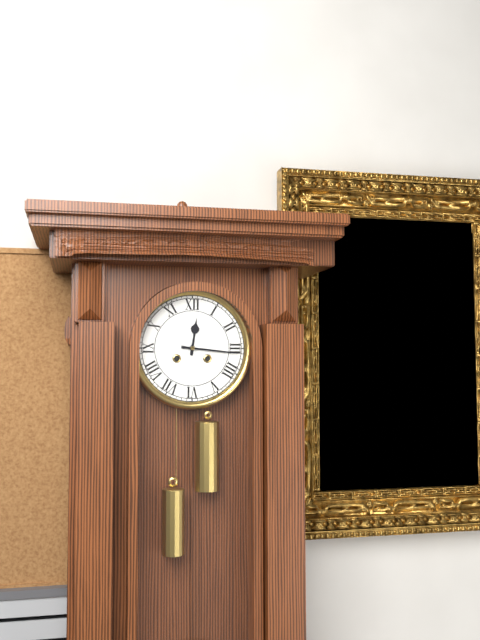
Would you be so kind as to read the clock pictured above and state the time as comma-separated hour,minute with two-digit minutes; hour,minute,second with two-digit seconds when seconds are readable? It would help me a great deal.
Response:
12,16
